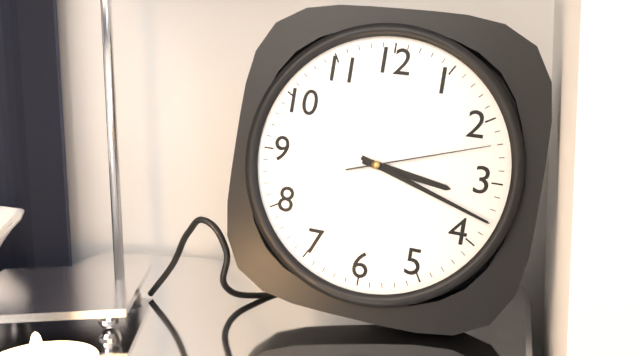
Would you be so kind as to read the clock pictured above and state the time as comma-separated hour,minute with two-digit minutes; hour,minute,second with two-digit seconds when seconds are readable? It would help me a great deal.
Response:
3,18,12
